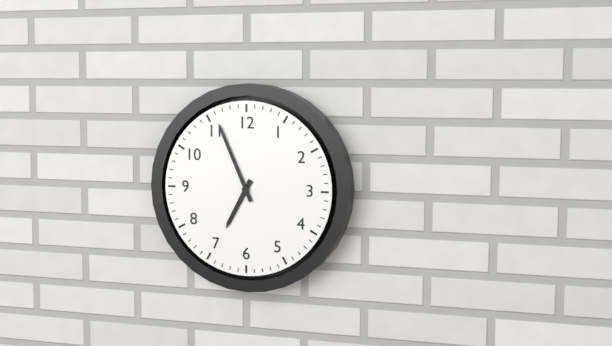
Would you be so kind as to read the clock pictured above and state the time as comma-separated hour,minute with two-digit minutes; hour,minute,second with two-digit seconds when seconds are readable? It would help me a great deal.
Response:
6,56
